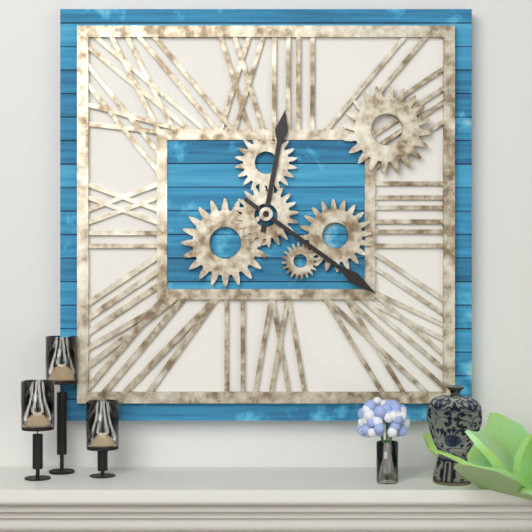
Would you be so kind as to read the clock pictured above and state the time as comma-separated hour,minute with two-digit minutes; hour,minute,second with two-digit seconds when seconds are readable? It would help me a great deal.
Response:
12,21
